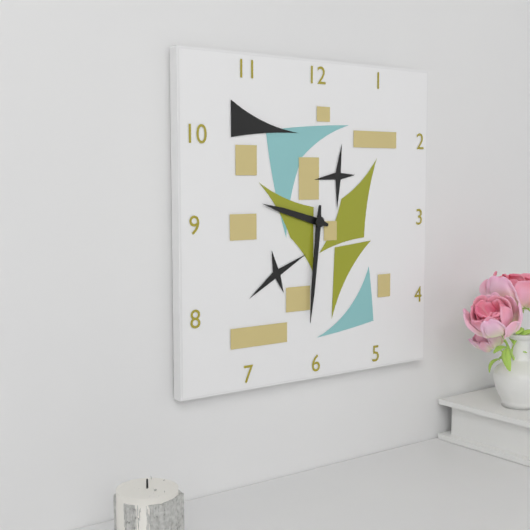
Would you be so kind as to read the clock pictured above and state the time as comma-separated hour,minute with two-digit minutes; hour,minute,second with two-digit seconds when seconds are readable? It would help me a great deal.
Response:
9,31
